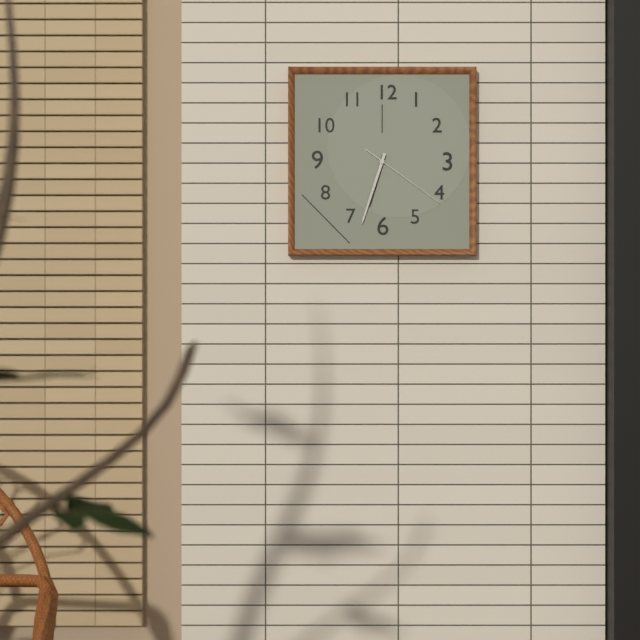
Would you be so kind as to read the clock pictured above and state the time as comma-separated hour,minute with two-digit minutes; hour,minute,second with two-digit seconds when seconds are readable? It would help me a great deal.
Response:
6,33,21
